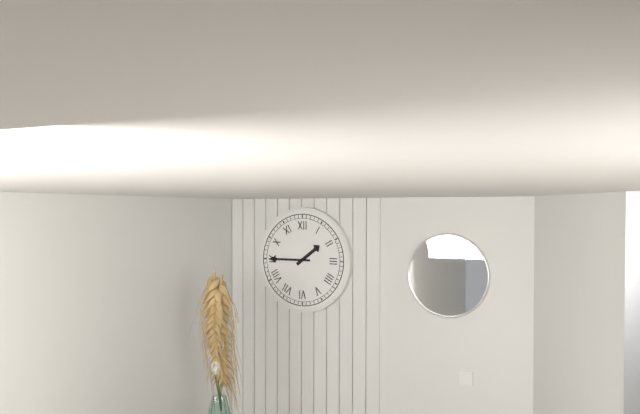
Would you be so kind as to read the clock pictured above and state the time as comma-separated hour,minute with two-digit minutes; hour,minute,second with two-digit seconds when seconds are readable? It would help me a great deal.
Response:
1,45
